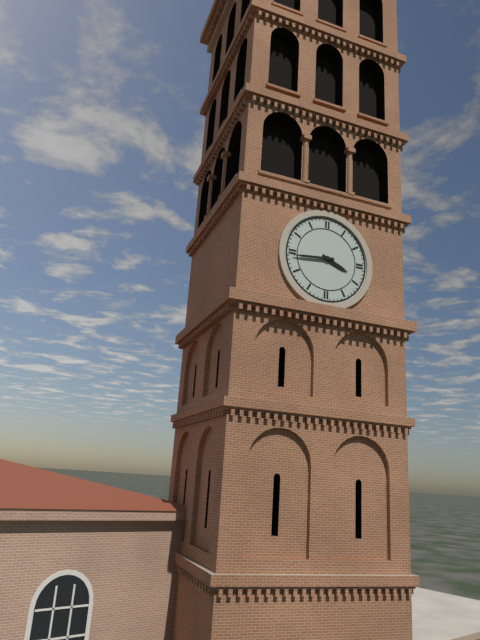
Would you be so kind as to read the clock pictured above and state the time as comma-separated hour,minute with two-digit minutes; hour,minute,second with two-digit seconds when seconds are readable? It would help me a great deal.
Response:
3,44
